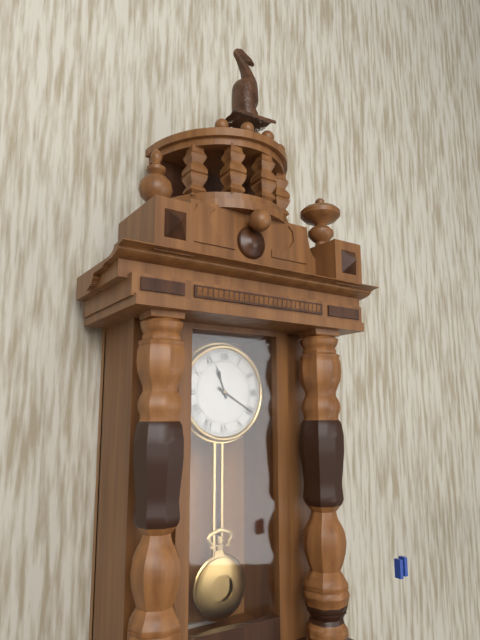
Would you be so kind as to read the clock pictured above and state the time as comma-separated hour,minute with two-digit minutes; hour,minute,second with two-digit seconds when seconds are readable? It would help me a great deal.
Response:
11,20
